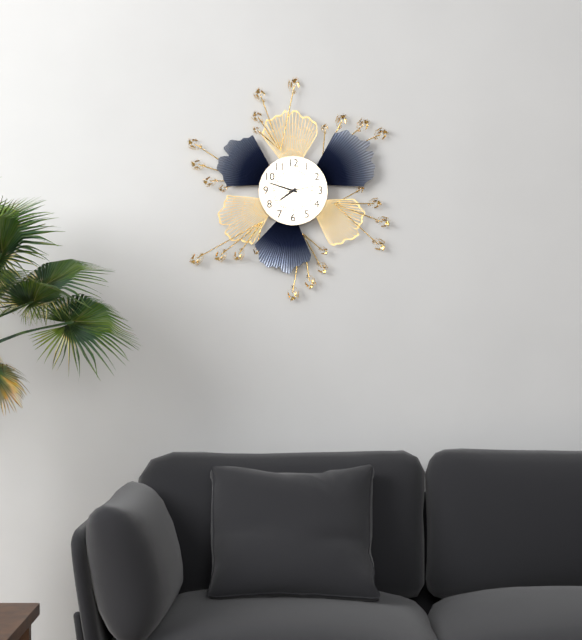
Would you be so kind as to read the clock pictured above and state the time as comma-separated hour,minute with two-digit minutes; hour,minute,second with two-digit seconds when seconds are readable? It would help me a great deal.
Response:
7,48
